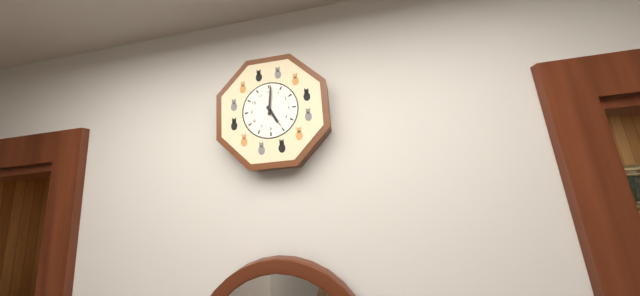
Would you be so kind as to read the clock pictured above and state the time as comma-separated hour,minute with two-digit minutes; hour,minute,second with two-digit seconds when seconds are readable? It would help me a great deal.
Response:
5,01
